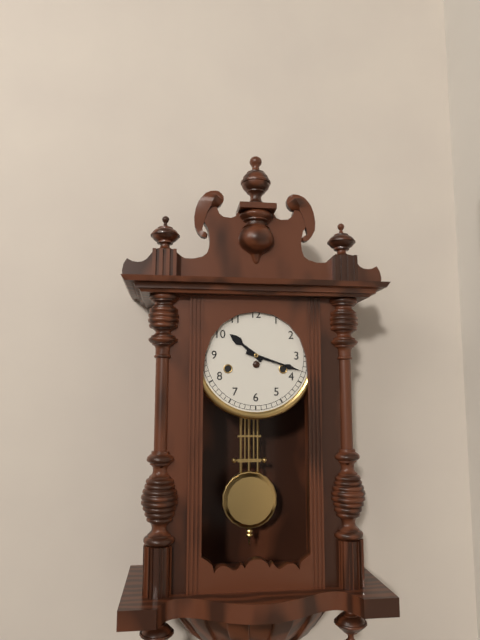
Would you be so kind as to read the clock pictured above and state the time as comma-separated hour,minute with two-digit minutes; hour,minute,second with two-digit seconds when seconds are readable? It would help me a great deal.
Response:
10,18
